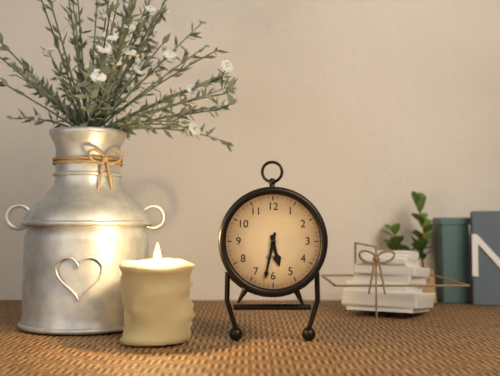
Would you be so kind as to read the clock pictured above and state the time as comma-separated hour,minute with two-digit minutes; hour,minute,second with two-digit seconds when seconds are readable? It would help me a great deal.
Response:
5,32
